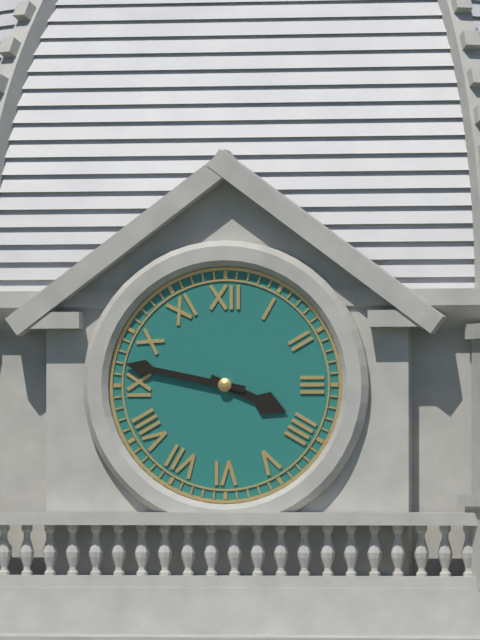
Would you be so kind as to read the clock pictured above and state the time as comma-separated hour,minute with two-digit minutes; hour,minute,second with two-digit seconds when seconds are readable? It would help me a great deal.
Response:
3,47
